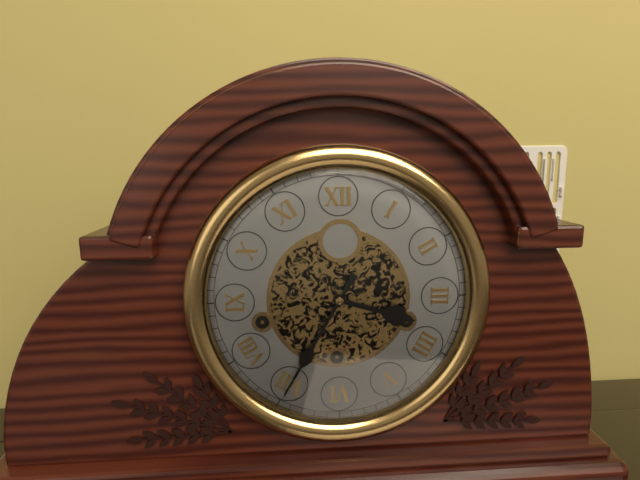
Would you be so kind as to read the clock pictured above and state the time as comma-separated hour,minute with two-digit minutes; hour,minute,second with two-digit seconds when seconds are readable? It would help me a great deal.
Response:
3,35
